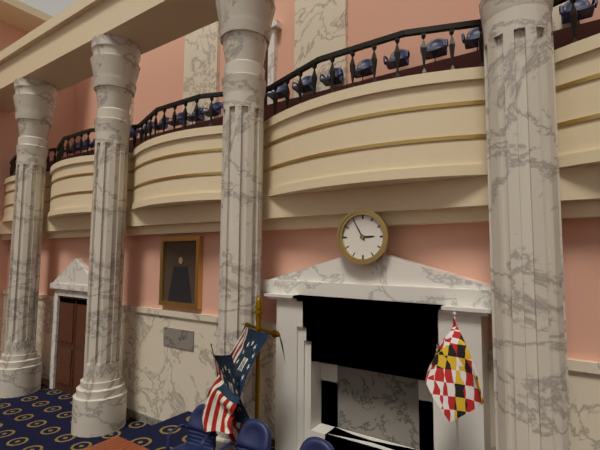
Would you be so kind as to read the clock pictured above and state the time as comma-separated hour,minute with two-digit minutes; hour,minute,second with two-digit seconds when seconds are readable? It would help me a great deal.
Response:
2,55
